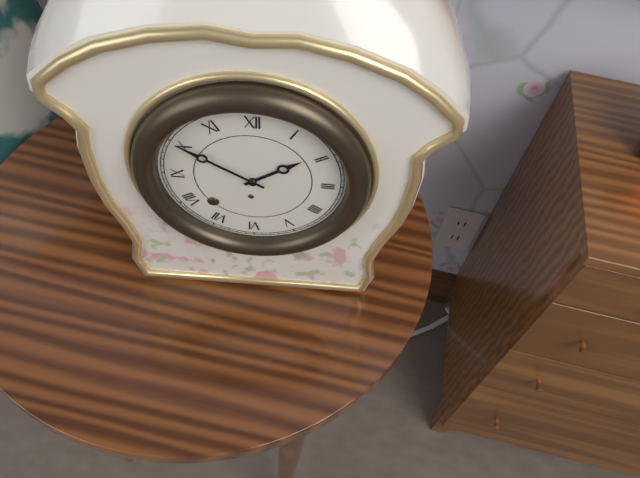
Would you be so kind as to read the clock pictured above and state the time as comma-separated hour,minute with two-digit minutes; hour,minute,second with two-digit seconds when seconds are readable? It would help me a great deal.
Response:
1,50
